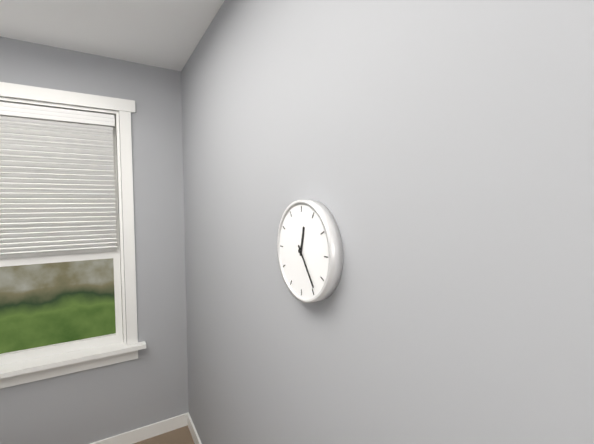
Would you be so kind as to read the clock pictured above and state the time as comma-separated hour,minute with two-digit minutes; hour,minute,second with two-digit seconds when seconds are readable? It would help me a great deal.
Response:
12,24
